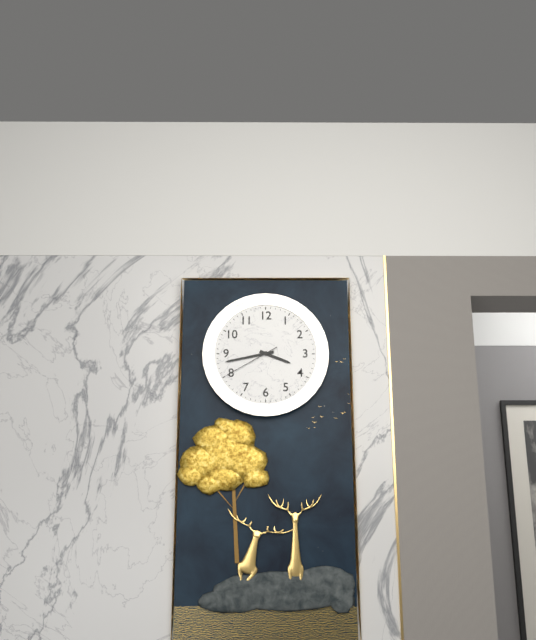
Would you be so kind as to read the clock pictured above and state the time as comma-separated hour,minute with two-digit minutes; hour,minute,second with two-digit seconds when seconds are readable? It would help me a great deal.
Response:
3,43,40
